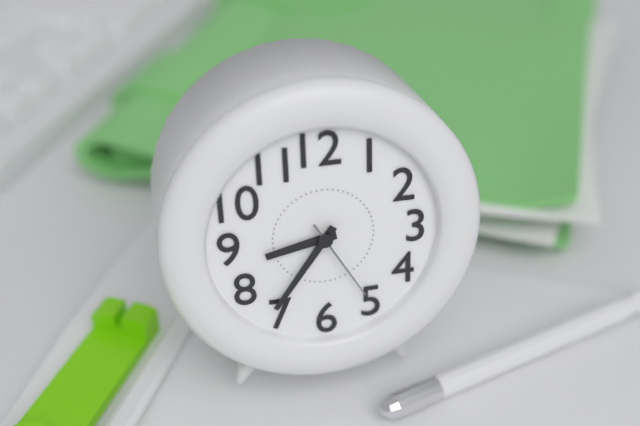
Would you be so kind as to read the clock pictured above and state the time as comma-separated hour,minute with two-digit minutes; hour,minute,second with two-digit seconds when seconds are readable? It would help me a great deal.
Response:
8,36,25
